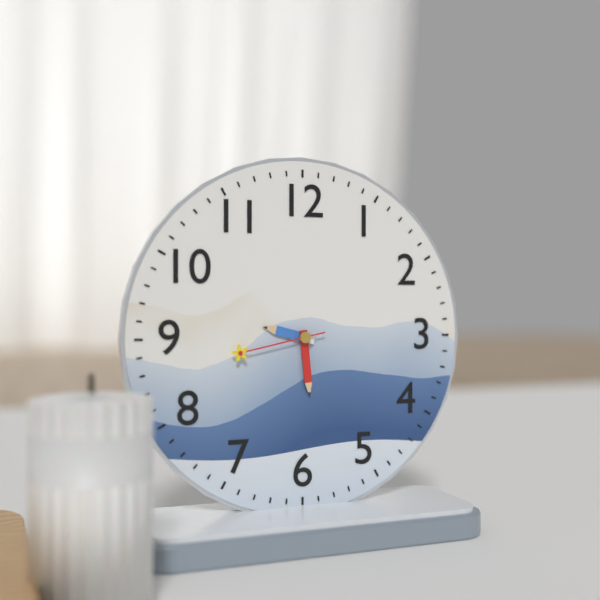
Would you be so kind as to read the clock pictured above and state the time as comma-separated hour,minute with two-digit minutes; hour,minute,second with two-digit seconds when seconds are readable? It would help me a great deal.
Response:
9,29,43
